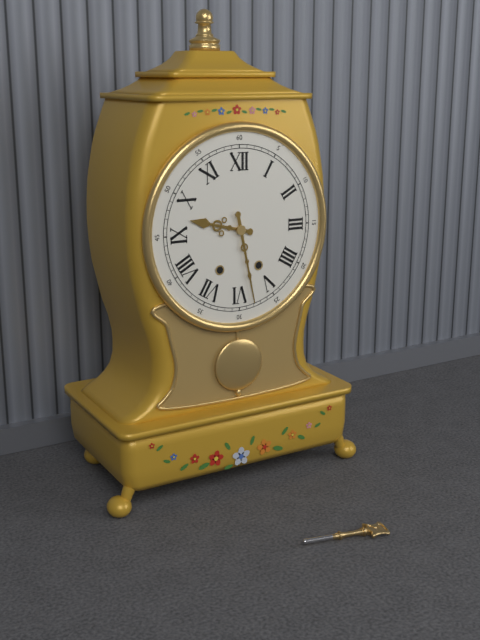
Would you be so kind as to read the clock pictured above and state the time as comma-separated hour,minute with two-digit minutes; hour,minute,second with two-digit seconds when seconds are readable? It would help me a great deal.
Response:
9,28
